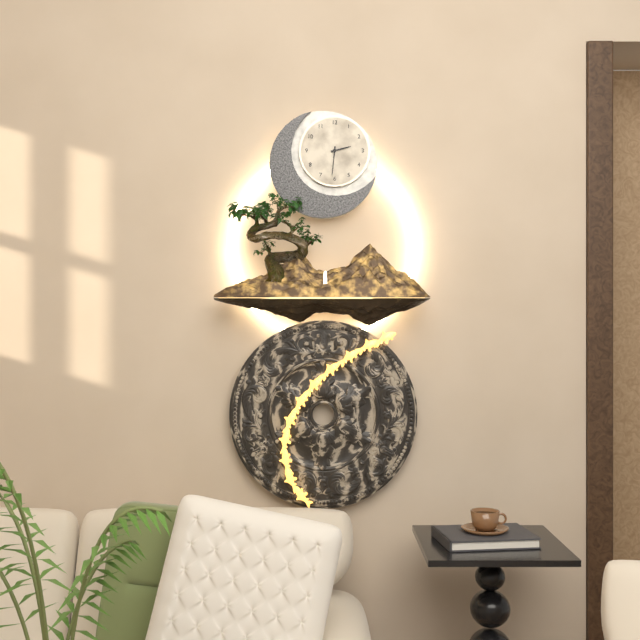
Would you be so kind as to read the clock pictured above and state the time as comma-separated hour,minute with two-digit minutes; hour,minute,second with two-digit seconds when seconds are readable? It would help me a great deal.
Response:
2,31
